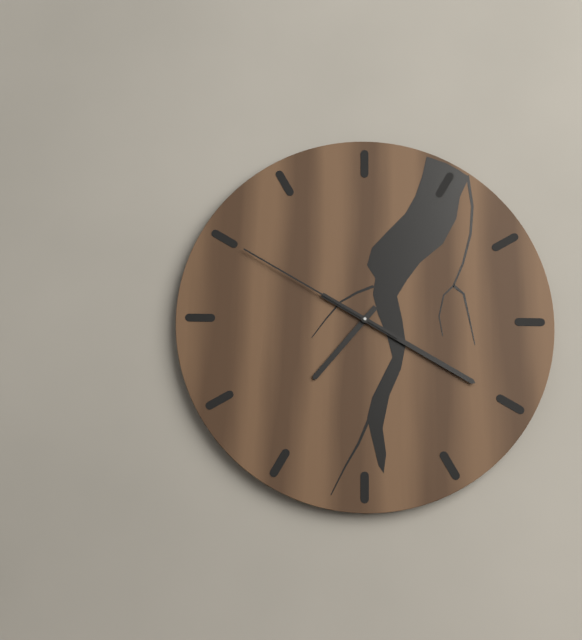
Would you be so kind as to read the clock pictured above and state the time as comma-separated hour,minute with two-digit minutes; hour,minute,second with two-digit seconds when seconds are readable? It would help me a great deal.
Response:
7,20,50
